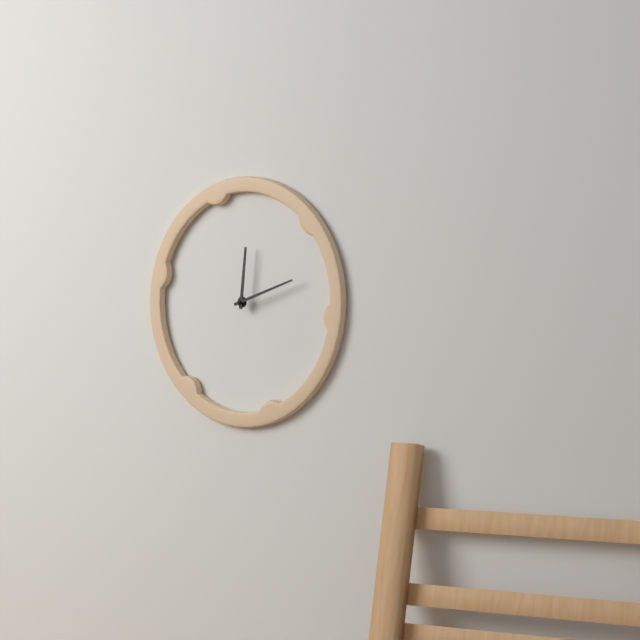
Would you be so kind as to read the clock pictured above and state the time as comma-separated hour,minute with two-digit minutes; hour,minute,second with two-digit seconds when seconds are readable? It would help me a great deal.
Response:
12,12
